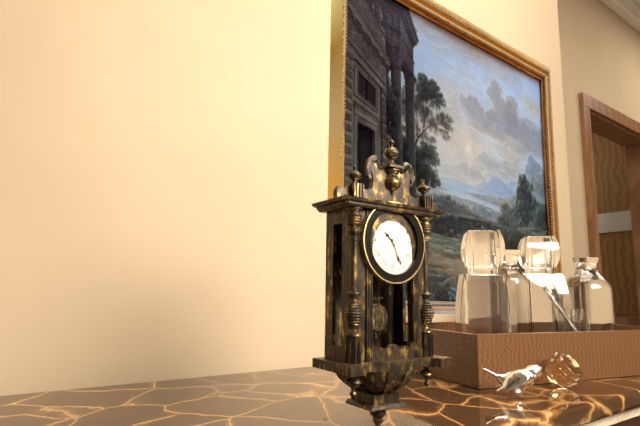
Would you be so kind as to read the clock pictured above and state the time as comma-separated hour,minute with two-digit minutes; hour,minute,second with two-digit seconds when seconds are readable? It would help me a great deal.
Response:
10,26
